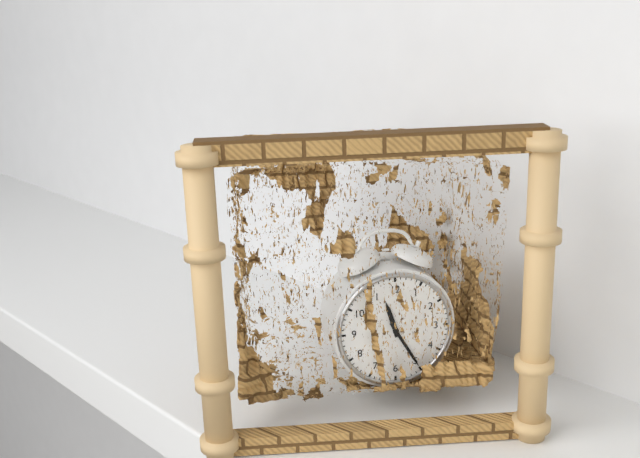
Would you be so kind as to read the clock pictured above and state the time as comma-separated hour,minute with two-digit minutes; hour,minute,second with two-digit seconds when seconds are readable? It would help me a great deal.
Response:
11,25
